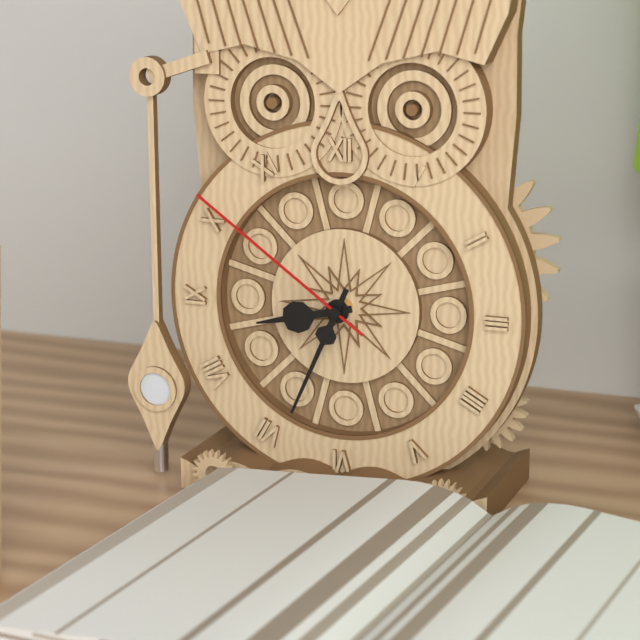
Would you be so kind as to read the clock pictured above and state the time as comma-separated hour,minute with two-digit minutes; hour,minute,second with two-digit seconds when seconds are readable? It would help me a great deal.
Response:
8,34,51
